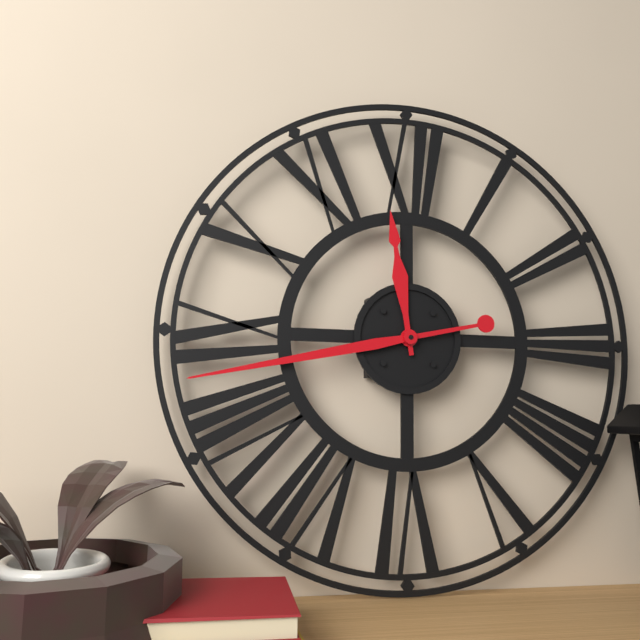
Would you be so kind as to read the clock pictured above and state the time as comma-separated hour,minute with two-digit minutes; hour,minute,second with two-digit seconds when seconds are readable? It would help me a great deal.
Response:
11,43
